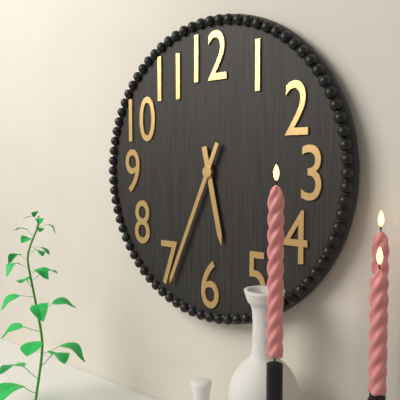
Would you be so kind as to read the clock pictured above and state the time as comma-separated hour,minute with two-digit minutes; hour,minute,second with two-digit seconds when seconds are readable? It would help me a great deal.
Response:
5,34
